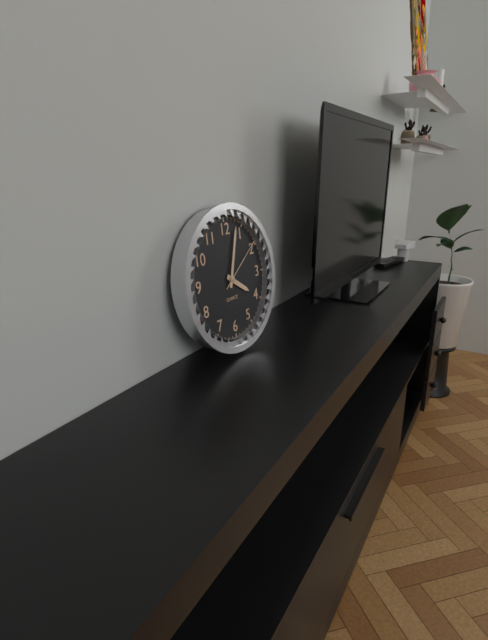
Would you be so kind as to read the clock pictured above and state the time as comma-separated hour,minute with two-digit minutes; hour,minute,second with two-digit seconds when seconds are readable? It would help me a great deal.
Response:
4,03,09
